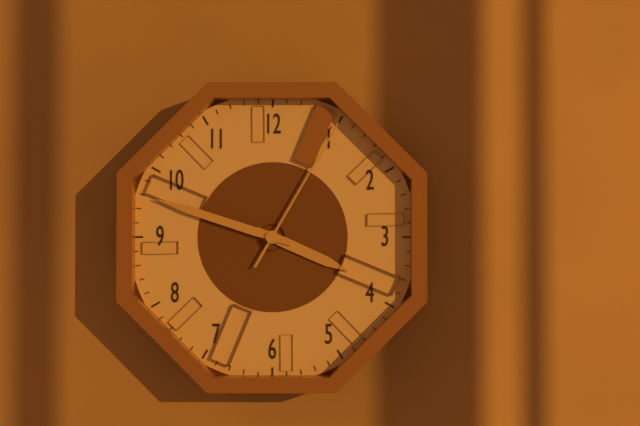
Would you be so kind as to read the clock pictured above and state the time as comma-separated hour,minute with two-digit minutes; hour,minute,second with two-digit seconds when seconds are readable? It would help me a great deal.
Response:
3,48,05
